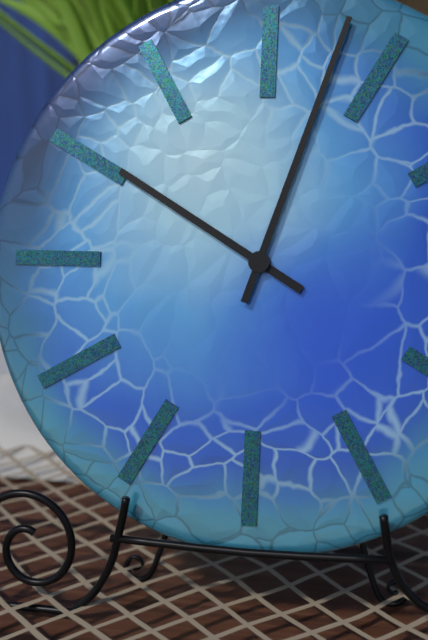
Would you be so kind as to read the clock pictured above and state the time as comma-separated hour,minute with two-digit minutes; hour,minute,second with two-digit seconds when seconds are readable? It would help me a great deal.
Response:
10,03
